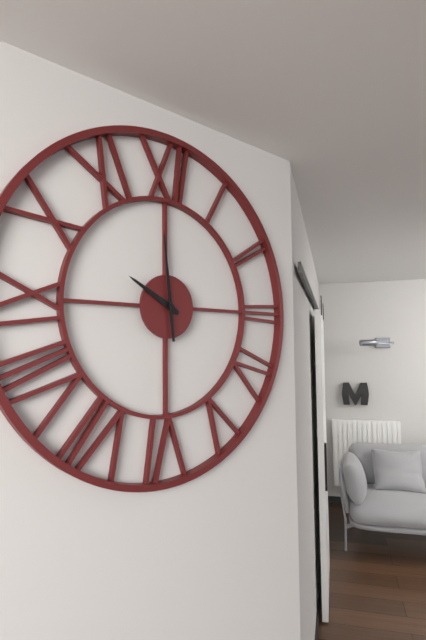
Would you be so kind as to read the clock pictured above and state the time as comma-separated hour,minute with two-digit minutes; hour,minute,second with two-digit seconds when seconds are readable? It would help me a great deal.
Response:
9,59
